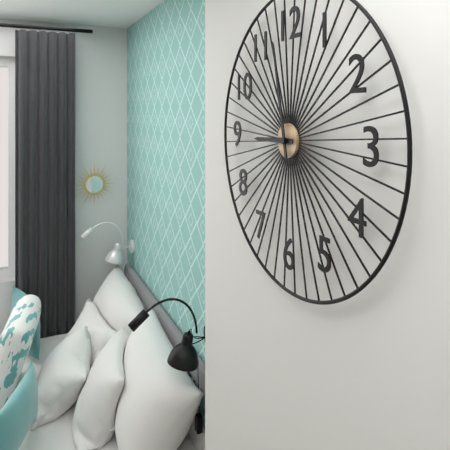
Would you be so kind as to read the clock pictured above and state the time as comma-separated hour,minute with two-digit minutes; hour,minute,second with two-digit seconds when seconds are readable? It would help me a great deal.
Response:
8,58
